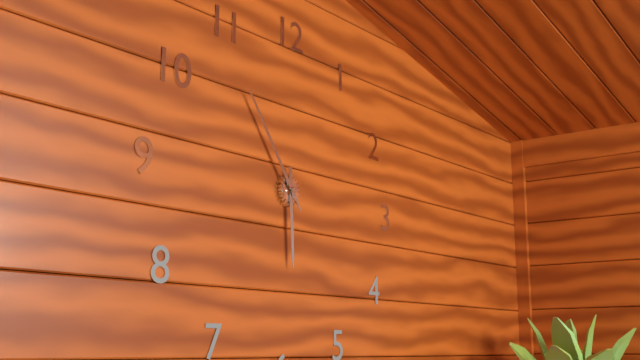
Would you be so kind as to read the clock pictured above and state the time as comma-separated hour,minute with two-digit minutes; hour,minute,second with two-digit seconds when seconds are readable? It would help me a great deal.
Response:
5,54
